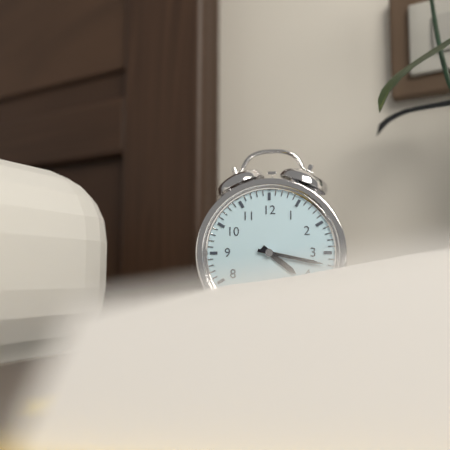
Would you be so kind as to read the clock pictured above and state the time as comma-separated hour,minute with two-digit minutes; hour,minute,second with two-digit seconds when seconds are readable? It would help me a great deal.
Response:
4,17
